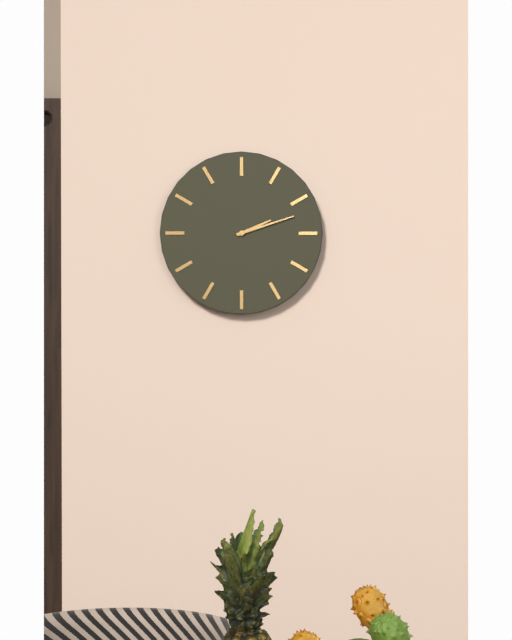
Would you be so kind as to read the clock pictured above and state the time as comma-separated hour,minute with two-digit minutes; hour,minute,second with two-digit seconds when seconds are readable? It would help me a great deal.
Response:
2,12
